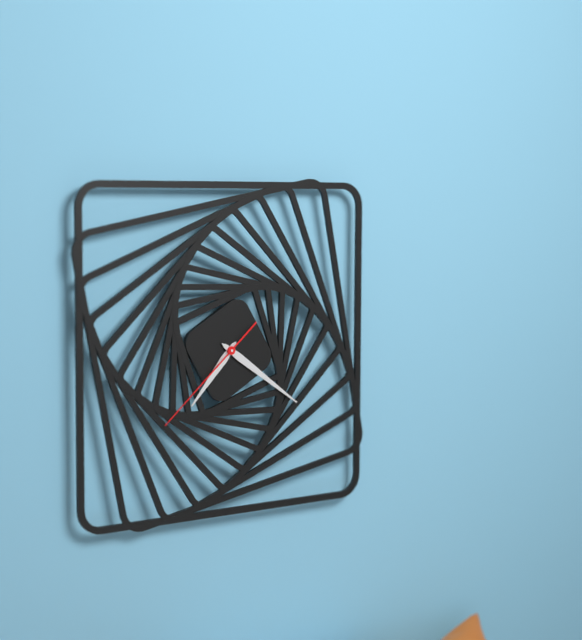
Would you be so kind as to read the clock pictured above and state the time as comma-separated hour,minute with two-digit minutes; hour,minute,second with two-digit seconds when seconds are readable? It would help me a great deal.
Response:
7,21,38
